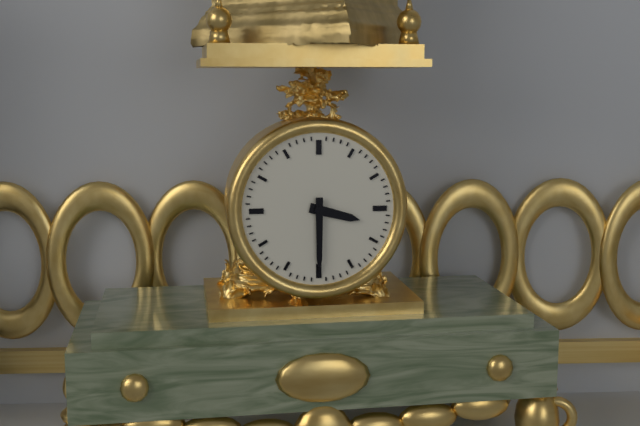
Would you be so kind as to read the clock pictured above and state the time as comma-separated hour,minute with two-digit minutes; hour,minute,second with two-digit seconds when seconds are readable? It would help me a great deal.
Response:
3,30
